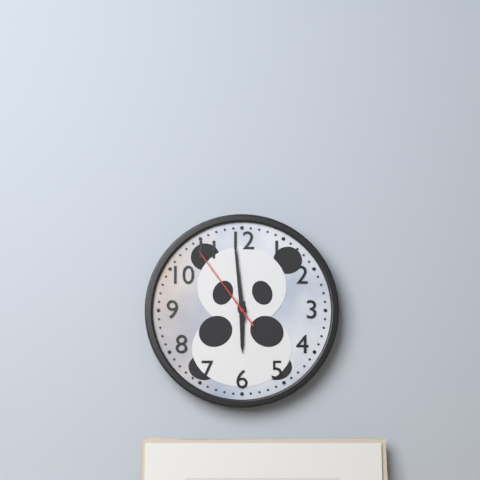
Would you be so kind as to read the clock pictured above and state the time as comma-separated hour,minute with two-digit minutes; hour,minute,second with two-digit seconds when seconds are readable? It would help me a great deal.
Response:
5,59,54
